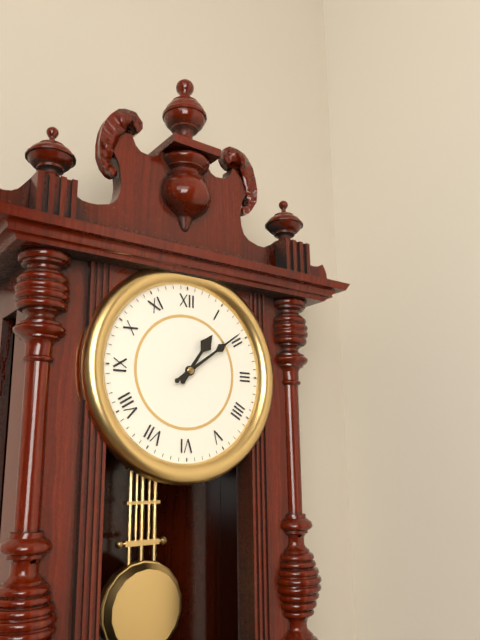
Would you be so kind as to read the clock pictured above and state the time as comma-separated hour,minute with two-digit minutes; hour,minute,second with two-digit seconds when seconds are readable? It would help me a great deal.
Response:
1,09
